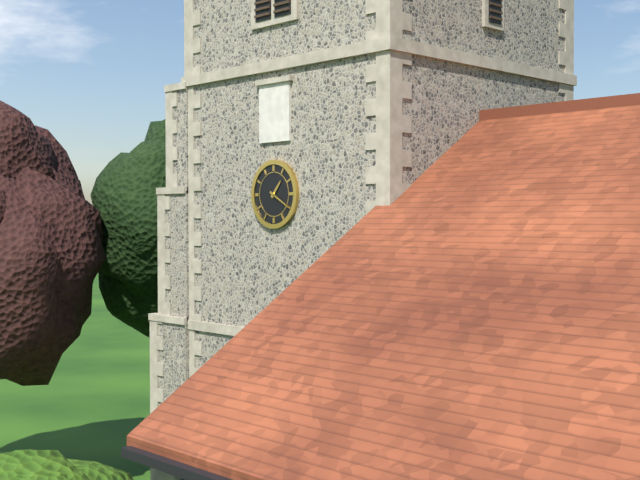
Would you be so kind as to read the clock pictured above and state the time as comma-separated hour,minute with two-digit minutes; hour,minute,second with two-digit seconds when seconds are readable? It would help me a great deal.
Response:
1,20
